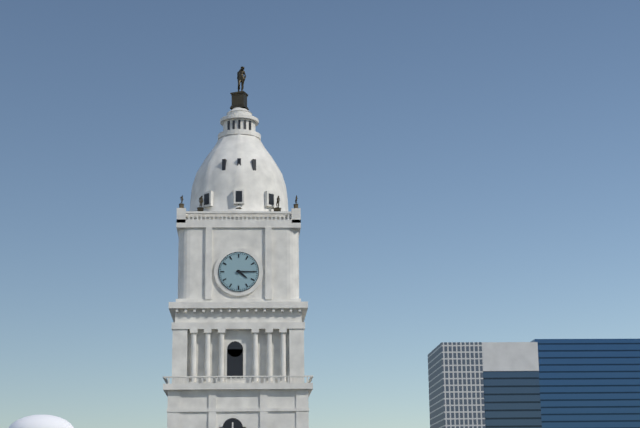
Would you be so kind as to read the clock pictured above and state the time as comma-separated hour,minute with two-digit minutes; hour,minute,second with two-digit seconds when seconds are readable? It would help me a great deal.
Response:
4,15
